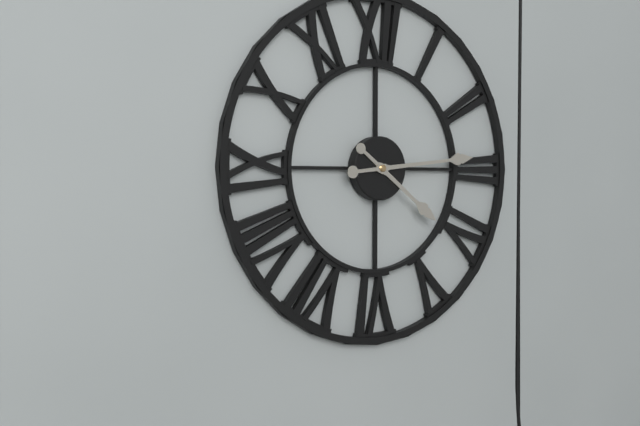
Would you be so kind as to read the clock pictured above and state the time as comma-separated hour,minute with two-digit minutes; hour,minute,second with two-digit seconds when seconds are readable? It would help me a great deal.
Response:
4,14
